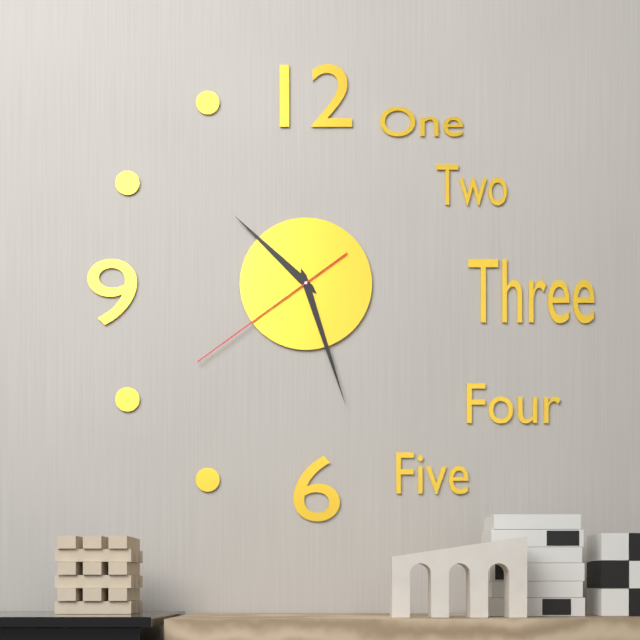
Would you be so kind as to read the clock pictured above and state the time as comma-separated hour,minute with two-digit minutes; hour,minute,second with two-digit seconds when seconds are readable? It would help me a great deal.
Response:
10,27,39
